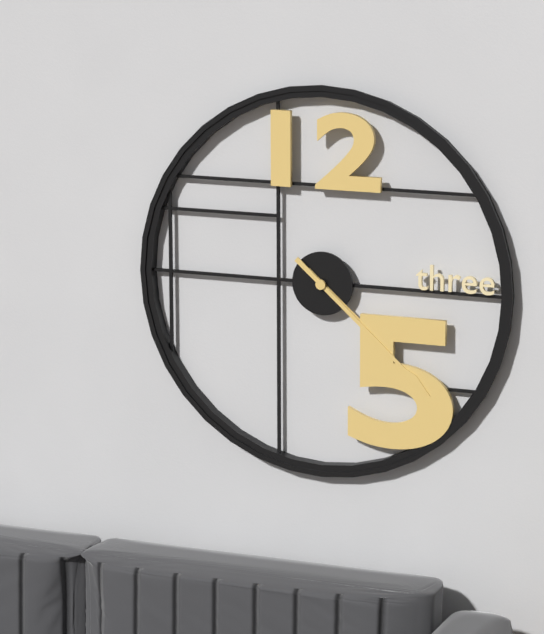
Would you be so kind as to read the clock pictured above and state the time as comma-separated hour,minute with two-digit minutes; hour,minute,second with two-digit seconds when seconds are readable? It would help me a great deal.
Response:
4,22
